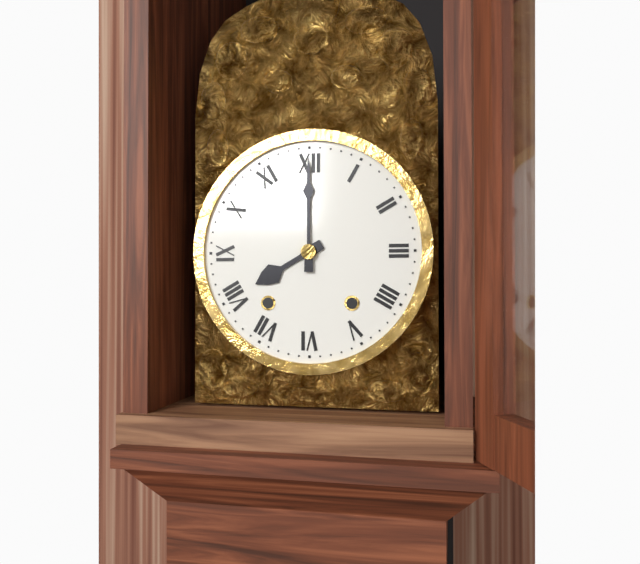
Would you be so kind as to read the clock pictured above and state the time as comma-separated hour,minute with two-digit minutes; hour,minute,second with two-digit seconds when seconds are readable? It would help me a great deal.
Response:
8,00
